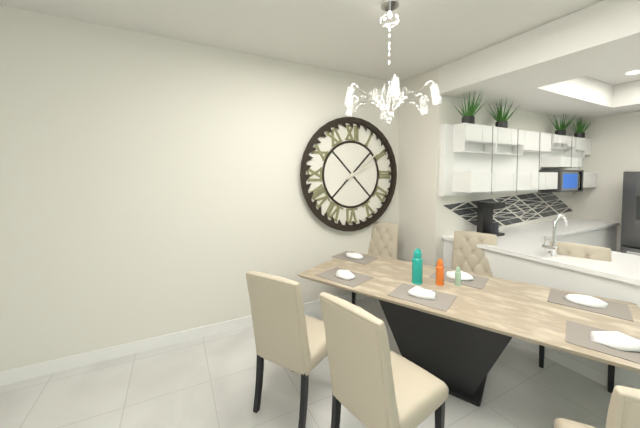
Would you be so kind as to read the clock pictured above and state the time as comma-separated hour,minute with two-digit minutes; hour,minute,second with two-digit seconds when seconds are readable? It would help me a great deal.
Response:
2,09
